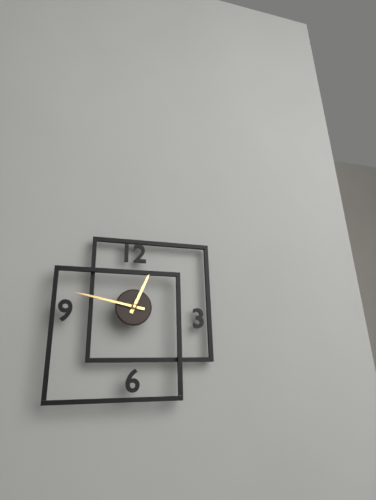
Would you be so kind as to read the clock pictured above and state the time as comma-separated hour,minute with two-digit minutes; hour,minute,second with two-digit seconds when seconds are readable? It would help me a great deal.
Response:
12,47
